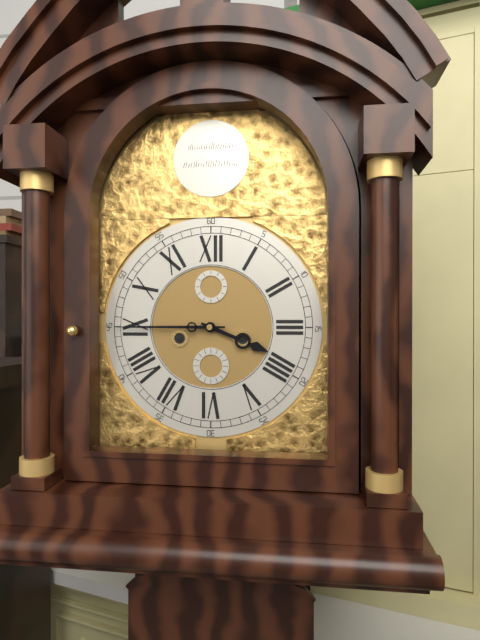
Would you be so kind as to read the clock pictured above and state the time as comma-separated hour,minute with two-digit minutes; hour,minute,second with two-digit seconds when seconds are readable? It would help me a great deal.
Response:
3,45
